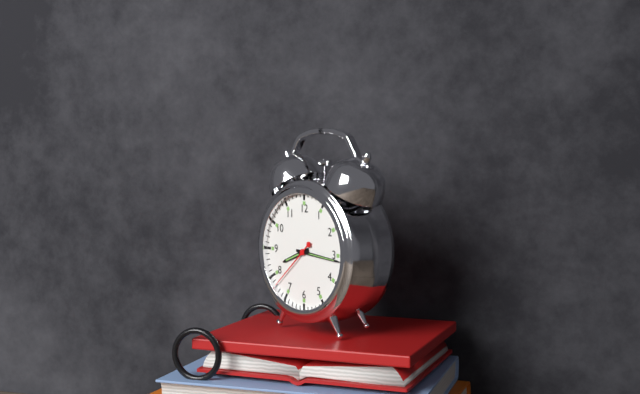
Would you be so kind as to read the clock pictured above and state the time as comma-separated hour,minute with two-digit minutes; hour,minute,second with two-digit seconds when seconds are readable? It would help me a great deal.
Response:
8,16,38
